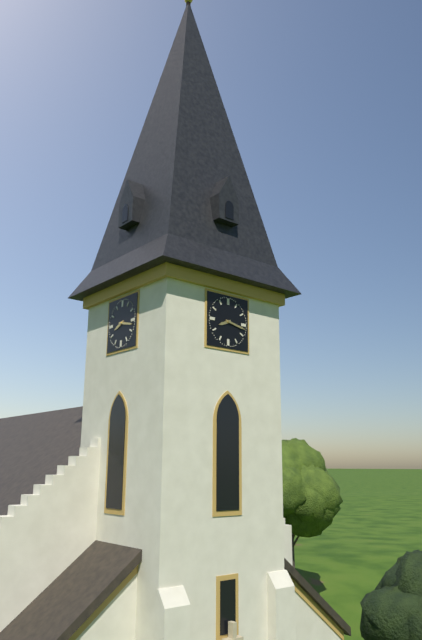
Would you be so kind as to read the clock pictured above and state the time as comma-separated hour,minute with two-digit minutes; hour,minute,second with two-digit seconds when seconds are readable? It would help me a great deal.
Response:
8,17
